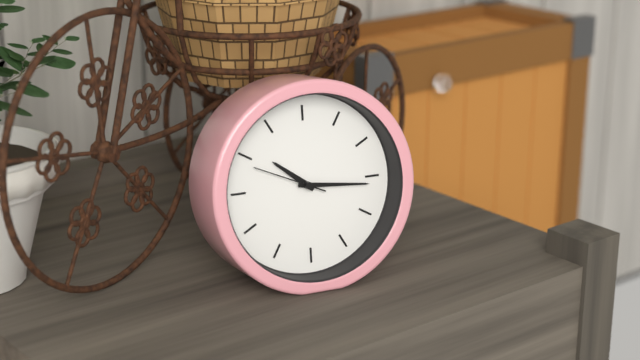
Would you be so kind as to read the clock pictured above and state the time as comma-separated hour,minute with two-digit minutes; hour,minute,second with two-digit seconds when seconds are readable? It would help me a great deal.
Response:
10,16,49
